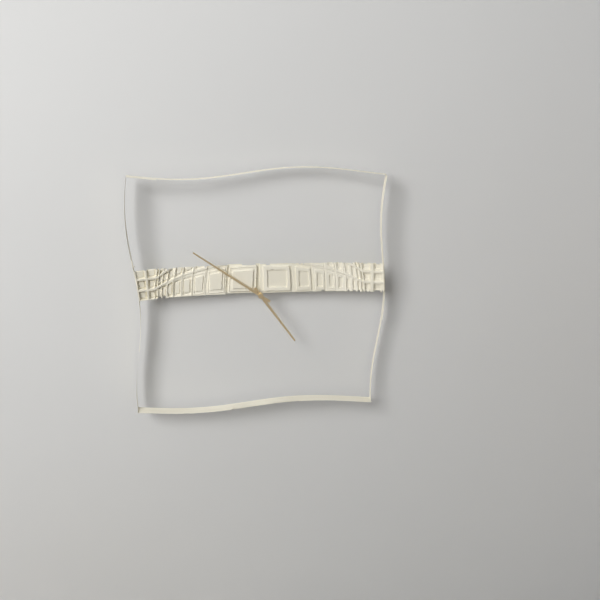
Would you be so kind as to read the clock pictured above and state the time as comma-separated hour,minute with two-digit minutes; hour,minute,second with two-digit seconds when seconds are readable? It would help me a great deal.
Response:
4,51
